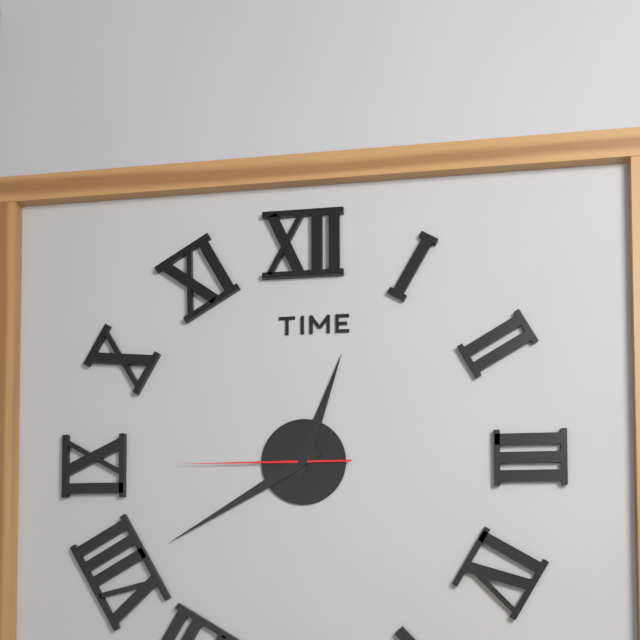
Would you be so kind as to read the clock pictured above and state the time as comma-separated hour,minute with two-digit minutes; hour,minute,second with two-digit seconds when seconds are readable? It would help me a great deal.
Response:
12,40,45
